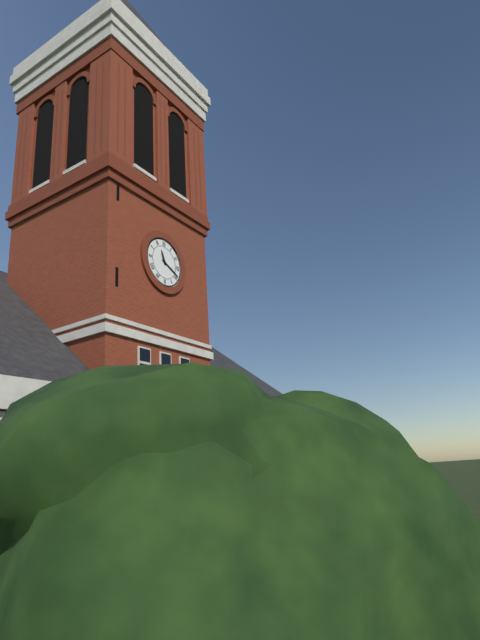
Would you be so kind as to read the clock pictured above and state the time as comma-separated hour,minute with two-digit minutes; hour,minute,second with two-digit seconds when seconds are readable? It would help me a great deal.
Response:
11,19
